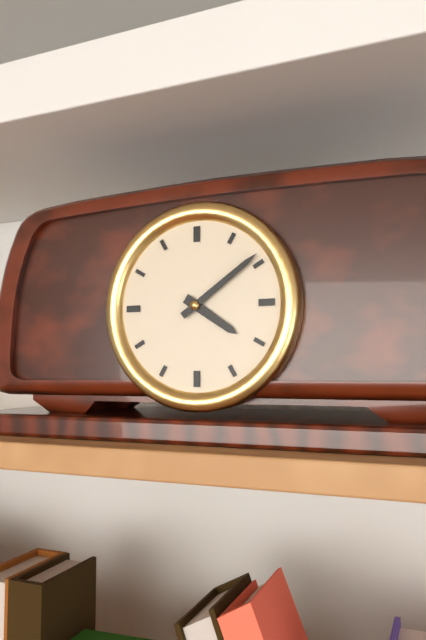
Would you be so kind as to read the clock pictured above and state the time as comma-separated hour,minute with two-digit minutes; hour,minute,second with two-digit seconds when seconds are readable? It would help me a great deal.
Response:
4,09
